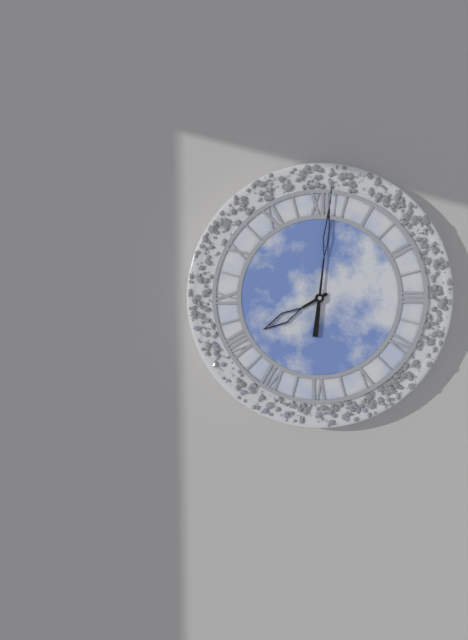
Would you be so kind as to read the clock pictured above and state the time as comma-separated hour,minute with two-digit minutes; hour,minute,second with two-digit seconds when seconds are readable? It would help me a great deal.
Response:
8,01
